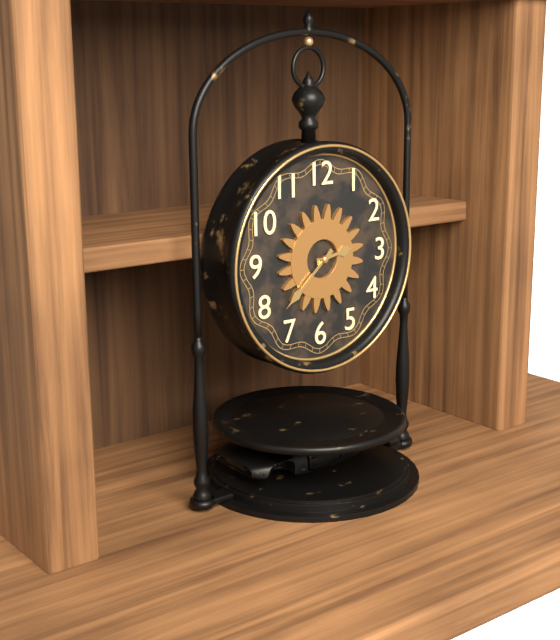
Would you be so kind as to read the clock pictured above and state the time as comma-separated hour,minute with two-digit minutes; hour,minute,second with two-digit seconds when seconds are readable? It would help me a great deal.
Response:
2,38
